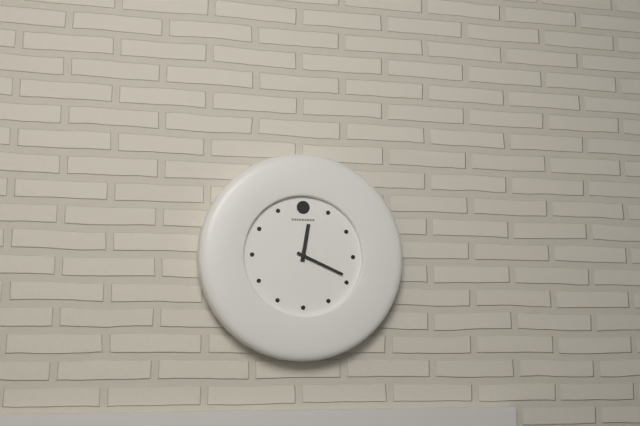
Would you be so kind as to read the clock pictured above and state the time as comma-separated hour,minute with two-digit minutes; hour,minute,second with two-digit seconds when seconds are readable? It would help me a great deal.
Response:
12,19
